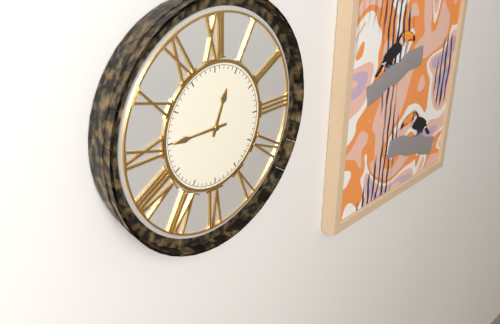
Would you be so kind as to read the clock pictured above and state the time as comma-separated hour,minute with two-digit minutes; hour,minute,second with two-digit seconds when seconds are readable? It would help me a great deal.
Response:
12,45
